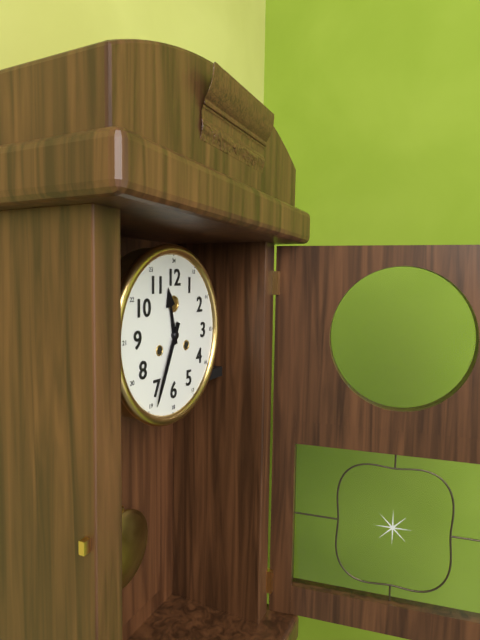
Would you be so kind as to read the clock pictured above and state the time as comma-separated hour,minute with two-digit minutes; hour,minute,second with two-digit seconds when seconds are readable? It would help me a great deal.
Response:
11,34
